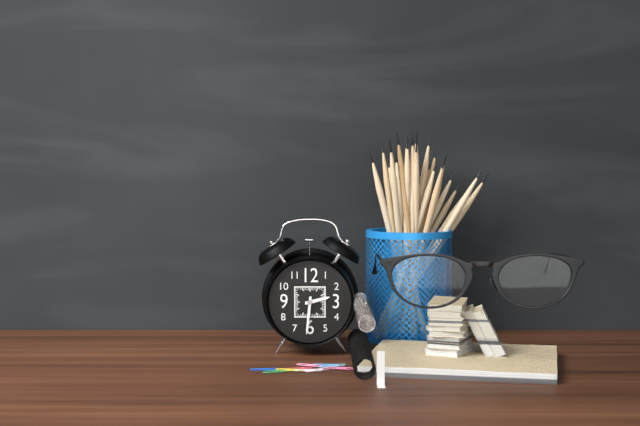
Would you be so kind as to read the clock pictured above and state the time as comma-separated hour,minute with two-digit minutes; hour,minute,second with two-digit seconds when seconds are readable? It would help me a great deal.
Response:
2,31
